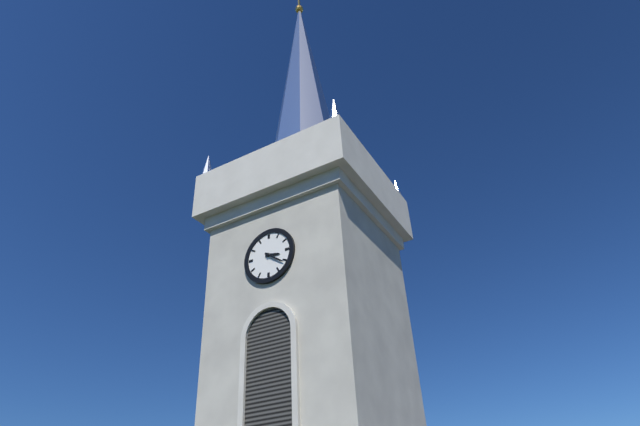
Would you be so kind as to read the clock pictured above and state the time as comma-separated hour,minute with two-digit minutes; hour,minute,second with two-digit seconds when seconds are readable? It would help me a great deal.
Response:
3,21
